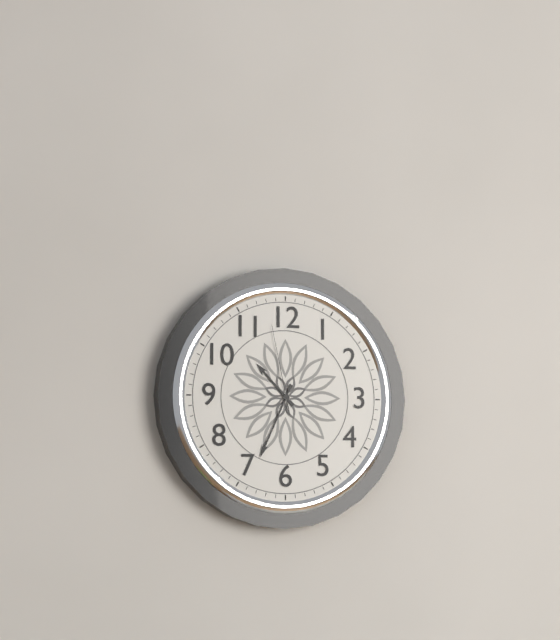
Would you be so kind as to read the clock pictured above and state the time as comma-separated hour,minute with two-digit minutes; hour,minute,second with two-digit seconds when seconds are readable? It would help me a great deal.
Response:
10,34,58
